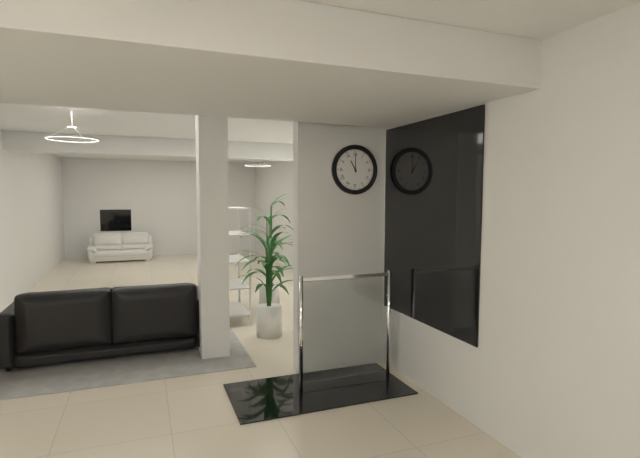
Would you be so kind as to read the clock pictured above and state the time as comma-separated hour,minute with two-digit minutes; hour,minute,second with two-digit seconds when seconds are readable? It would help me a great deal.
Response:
11,00
